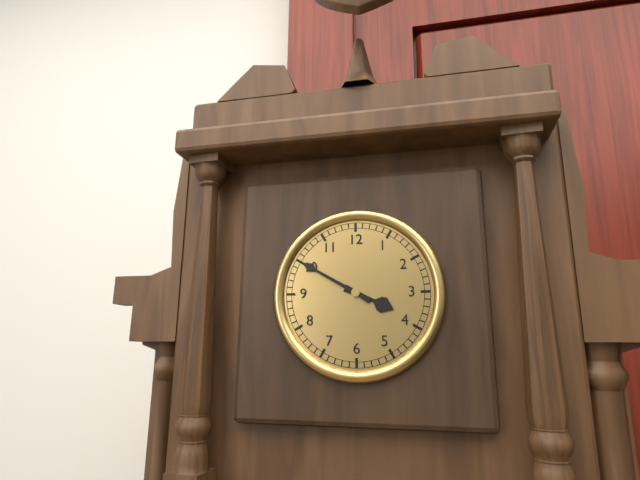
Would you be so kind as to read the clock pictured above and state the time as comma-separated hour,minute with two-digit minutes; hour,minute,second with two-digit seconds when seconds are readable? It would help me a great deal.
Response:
3,50
